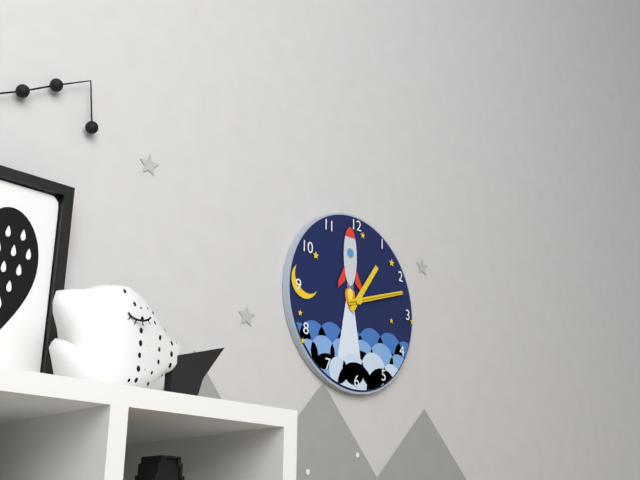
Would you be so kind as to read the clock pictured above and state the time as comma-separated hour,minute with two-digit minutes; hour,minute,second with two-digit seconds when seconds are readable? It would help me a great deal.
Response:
1,12,12
